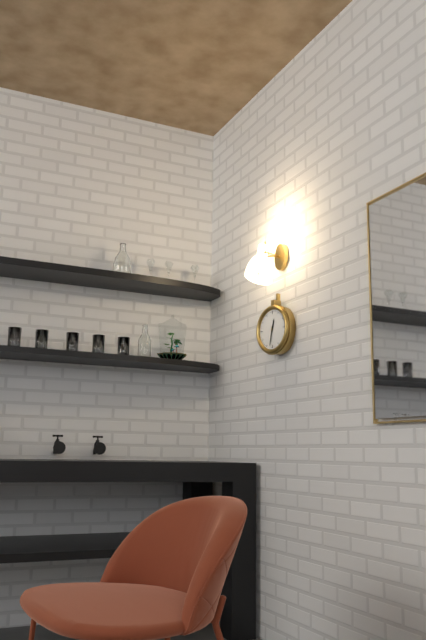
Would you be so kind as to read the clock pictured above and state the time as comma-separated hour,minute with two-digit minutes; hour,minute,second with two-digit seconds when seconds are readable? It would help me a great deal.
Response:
12,32
